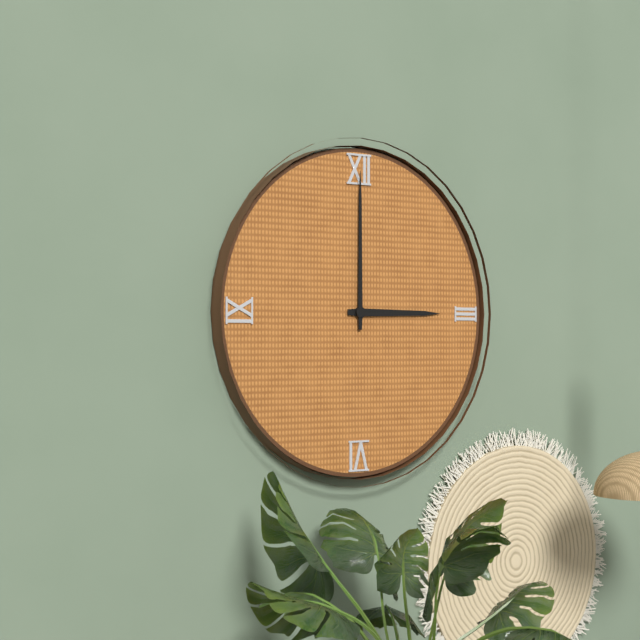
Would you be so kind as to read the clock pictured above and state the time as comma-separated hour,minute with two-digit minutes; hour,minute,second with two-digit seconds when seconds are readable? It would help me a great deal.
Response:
3,00
